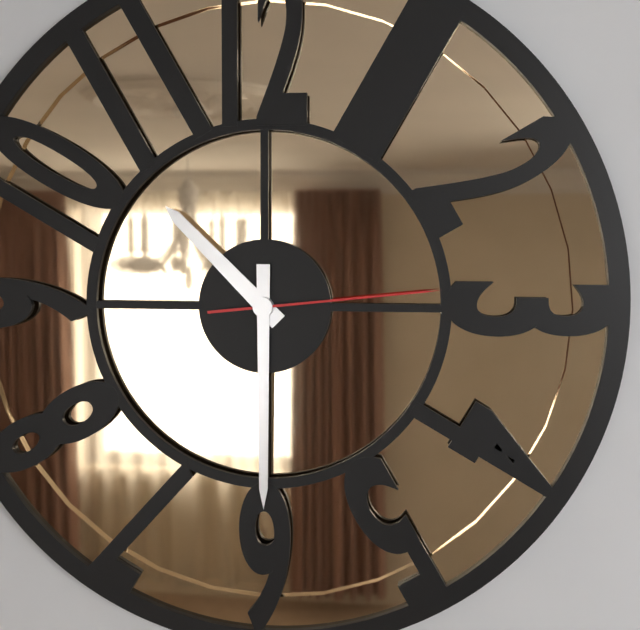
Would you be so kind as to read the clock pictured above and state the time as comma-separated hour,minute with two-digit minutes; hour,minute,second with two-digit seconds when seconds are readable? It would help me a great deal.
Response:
10,30,14
